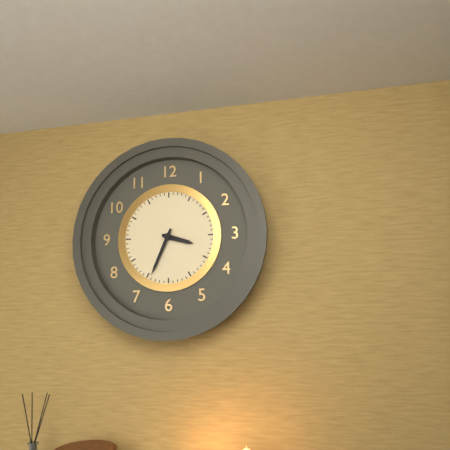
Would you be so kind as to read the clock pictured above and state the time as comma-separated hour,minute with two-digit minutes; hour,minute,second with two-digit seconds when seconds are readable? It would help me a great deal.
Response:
3,34
